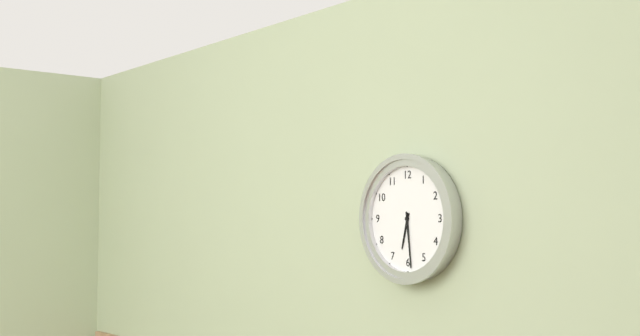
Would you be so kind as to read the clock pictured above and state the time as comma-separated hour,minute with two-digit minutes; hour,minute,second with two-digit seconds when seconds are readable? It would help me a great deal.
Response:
6,29
